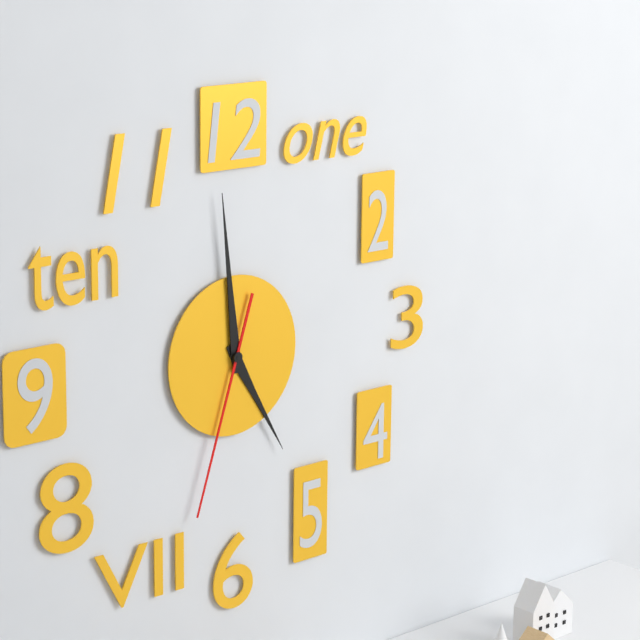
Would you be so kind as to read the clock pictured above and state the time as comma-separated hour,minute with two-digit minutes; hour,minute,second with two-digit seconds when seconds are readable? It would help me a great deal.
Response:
4,59,33
